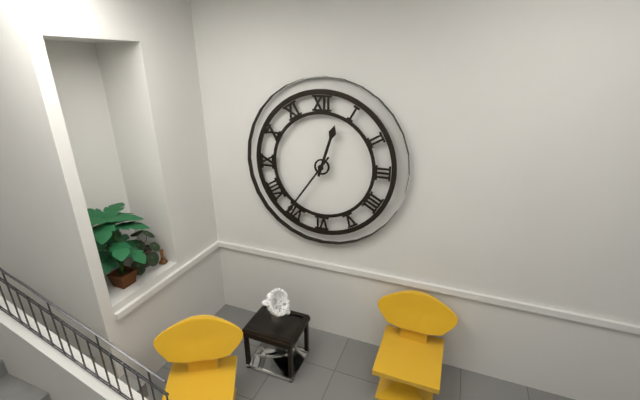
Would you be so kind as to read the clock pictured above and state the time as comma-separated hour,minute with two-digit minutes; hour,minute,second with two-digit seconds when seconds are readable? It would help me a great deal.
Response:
12,36
